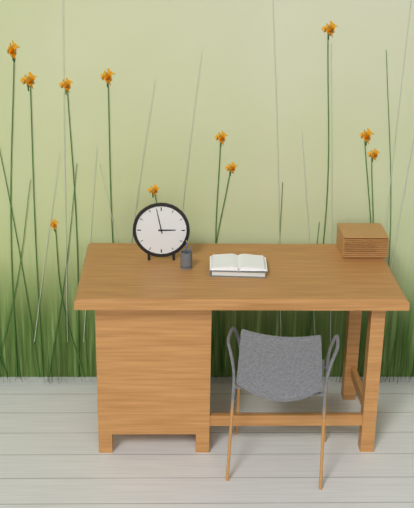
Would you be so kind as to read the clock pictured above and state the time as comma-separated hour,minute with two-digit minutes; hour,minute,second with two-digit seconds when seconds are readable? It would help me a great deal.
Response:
2,58
